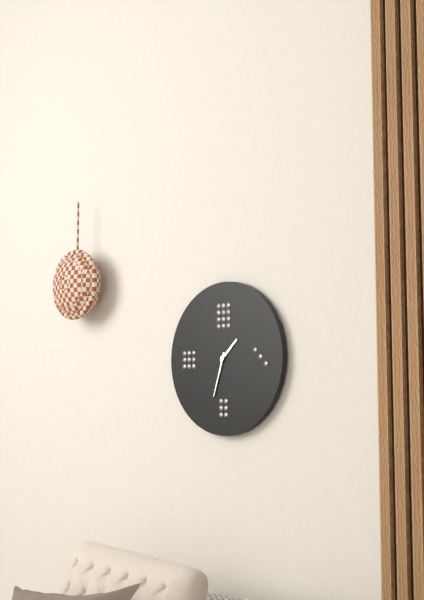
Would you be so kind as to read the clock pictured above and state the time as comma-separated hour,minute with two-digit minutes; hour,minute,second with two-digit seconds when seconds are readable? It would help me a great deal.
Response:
1,33
